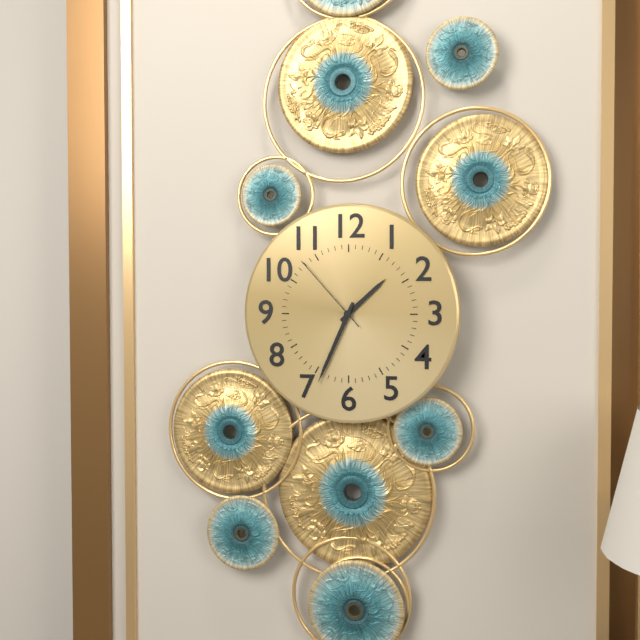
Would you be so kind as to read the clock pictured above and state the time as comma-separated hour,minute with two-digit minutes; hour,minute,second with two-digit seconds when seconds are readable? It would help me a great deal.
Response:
1,34,53
